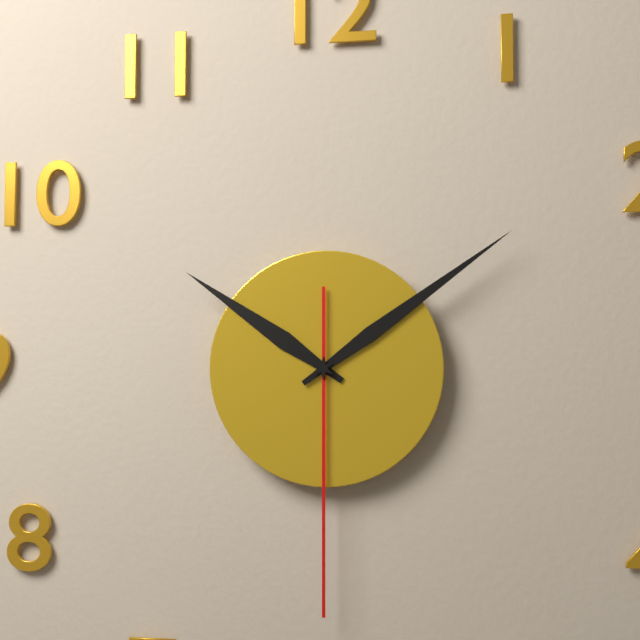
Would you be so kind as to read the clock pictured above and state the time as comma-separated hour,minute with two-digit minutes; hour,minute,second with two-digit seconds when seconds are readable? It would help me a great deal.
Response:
10,09,30
